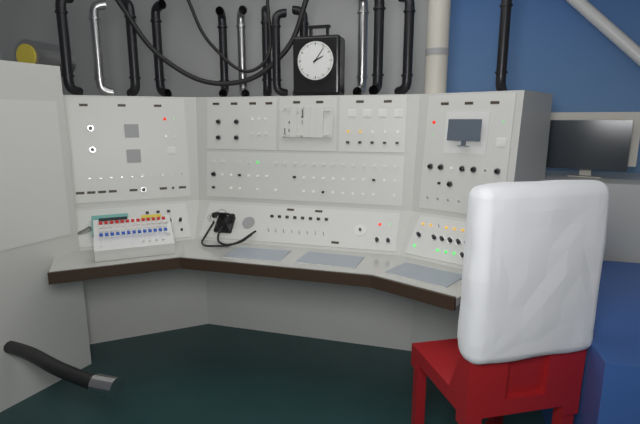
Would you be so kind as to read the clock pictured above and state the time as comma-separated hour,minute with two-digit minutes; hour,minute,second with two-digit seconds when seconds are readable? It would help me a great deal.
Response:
2,06
